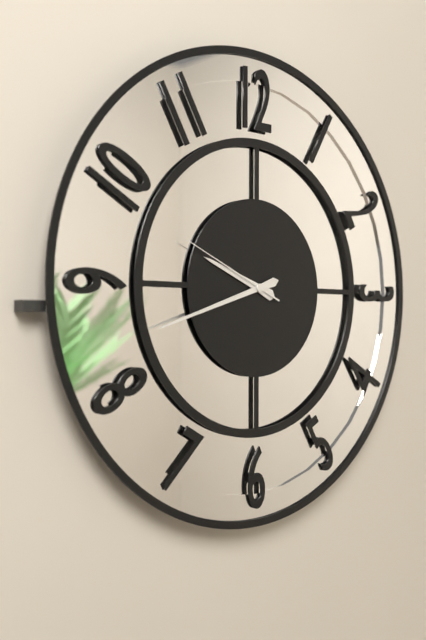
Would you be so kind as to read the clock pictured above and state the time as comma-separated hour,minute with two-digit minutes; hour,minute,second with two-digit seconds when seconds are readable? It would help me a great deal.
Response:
9,42,49
